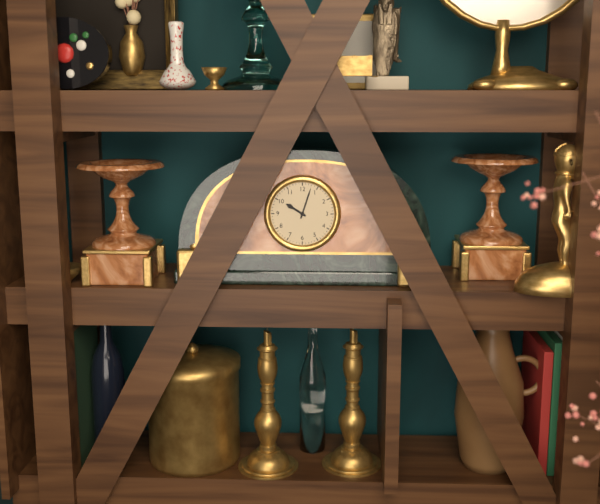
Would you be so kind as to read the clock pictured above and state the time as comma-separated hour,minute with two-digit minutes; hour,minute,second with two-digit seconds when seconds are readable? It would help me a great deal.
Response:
10,03
